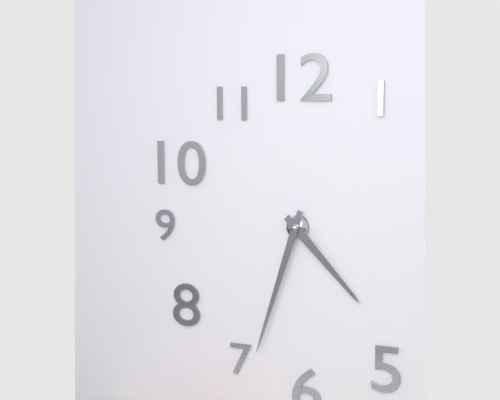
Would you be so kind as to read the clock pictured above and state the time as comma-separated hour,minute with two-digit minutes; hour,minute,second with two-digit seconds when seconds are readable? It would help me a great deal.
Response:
4,33
